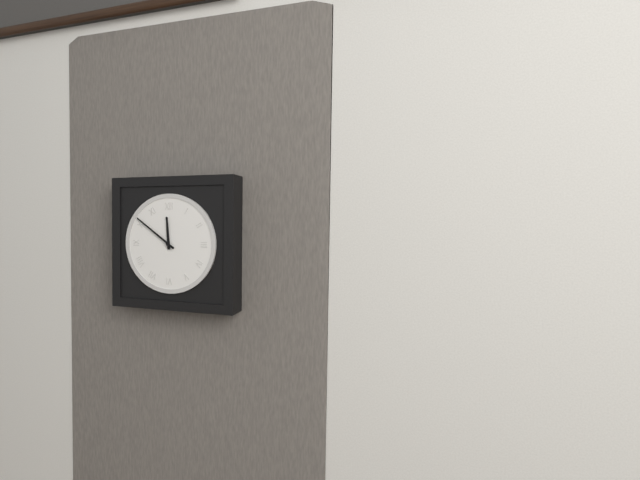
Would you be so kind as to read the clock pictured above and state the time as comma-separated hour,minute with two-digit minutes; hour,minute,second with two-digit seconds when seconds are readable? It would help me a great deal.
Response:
11,51
